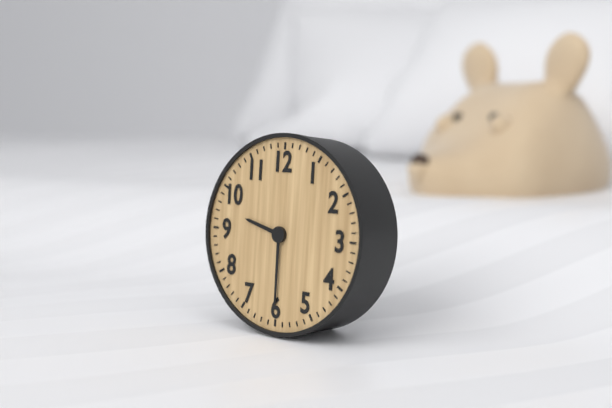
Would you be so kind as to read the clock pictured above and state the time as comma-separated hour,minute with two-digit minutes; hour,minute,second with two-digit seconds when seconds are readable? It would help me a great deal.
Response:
9,30
